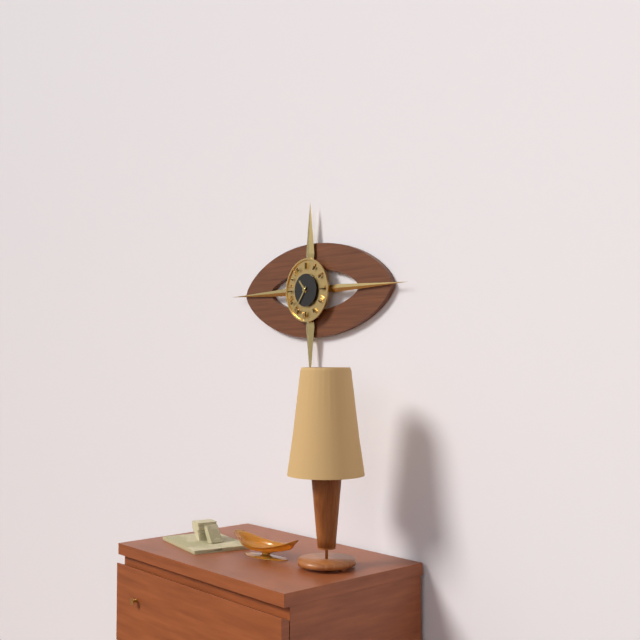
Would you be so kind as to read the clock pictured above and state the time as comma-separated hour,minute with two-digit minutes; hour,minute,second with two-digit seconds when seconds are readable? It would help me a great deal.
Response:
10,36
